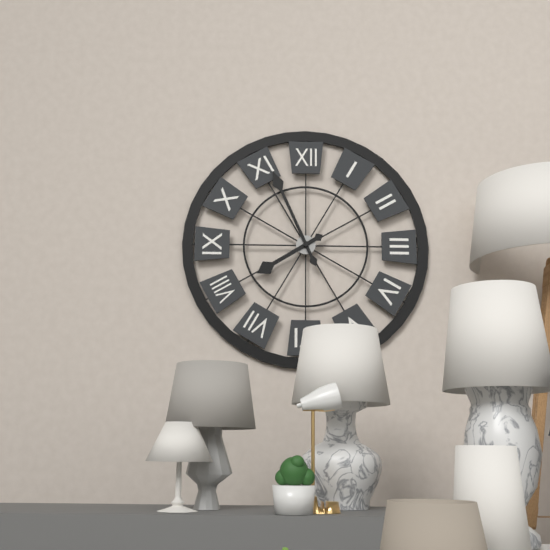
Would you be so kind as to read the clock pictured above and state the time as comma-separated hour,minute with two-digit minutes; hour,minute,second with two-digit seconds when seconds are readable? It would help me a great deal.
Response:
7,56
